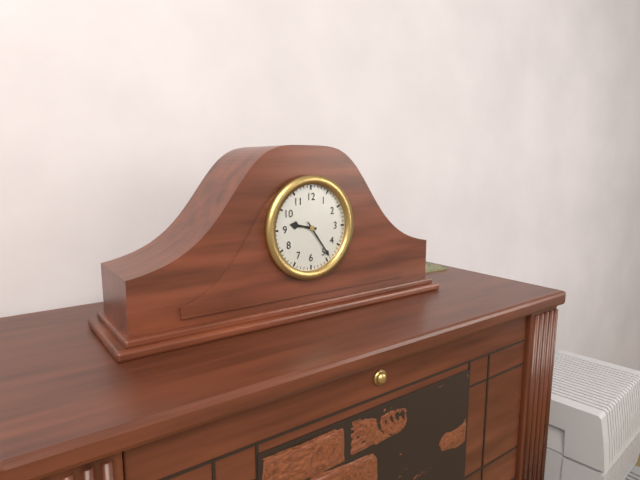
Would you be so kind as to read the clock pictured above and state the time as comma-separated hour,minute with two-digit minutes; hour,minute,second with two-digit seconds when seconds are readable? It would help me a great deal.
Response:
9,24
